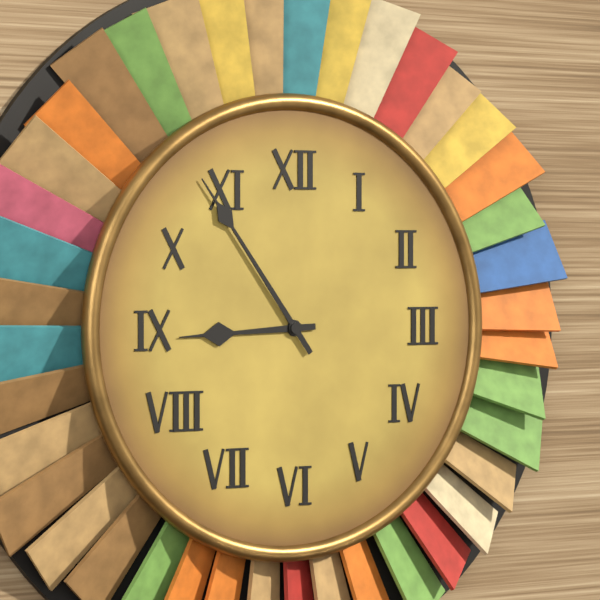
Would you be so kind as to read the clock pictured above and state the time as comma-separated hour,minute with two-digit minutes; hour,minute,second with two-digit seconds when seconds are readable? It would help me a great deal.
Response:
8,54
